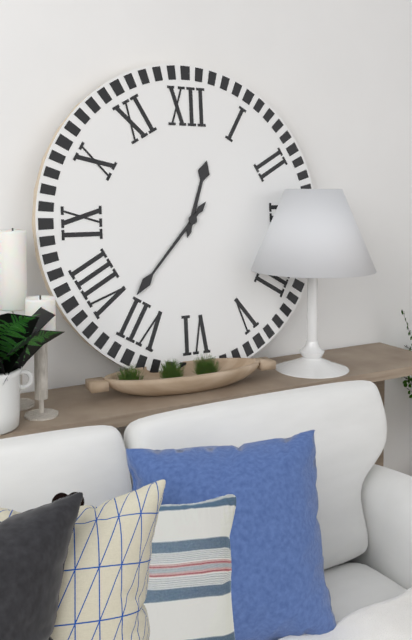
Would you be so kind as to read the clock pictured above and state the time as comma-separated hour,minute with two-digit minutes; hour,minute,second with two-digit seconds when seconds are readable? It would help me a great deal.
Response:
12,37
